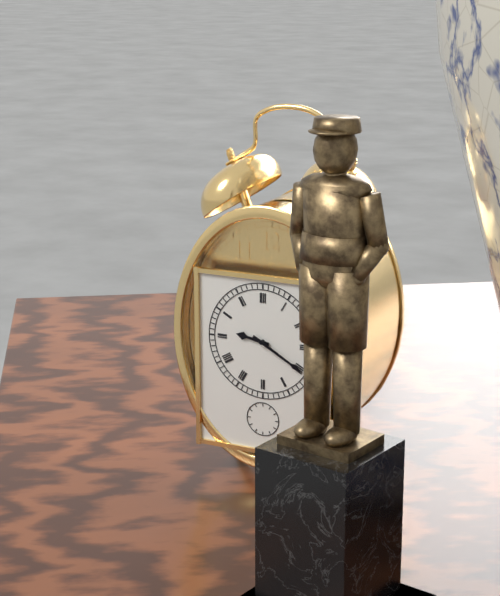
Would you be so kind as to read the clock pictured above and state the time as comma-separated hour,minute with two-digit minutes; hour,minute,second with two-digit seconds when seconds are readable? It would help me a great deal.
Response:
9,20
